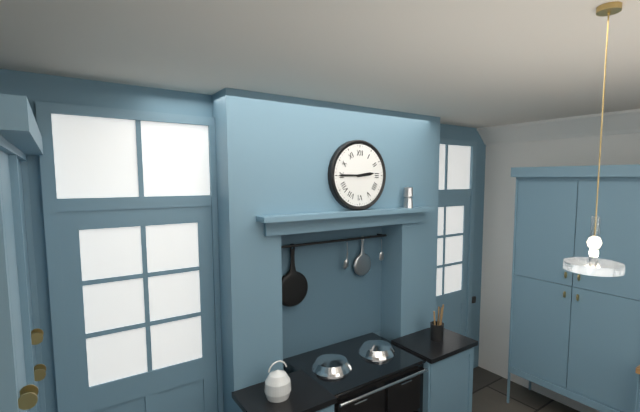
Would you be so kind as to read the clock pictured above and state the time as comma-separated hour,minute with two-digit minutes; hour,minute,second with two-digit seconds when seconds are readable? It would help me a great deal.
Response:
2,45
